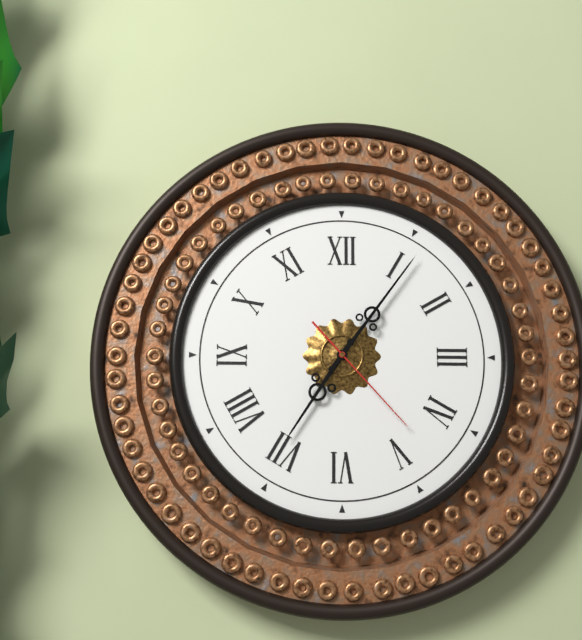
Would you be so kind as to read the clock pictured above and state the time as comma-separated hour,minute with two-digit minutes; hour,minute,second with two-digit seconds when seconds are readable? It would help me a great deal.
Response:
7,06,23
